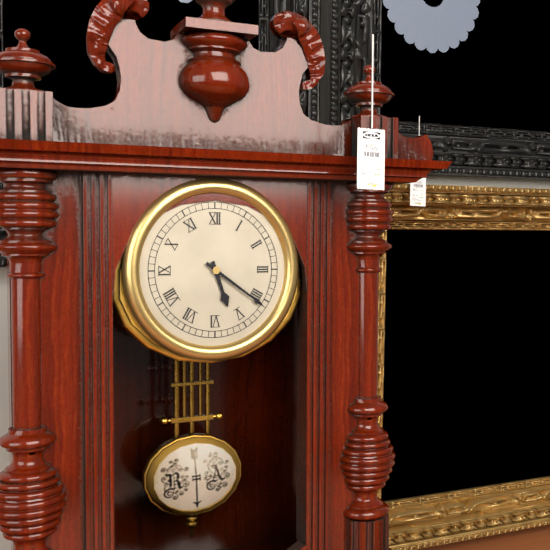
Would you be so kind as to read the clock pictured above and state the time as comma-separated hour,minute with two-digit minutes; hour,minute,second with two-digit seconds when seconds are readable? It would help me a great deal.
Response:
5,21
